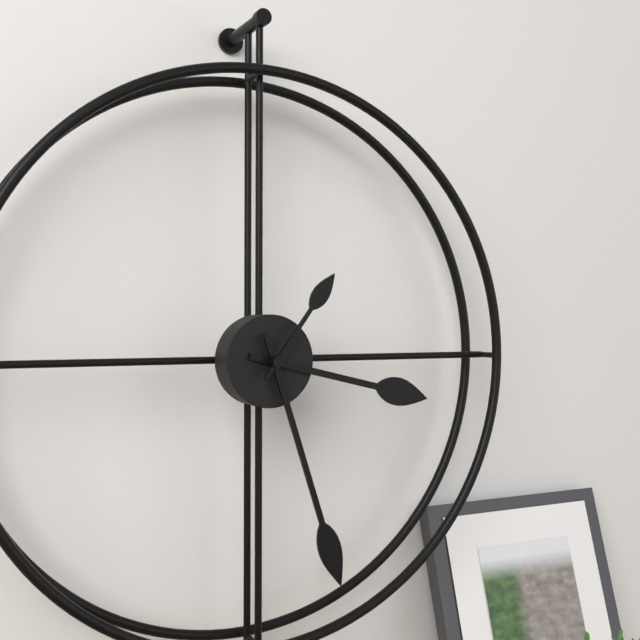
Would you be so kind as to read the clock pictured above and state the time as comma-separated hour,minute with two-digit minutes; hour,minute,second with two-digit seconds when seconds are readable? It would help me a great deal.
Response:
3,27,06
